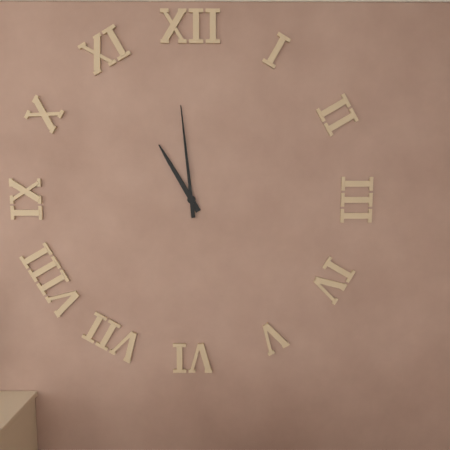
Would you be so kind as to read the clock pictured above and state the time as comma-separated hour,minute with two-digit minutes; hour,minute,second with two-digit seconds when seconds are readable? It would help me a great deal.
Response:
10,59
